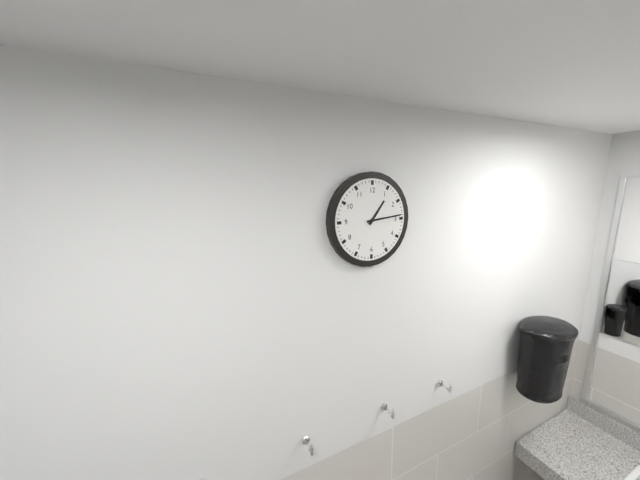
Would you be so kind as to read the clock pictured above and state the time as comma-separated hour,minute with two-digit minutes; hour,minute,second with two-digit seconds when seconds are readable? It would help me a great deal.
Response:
1,14
